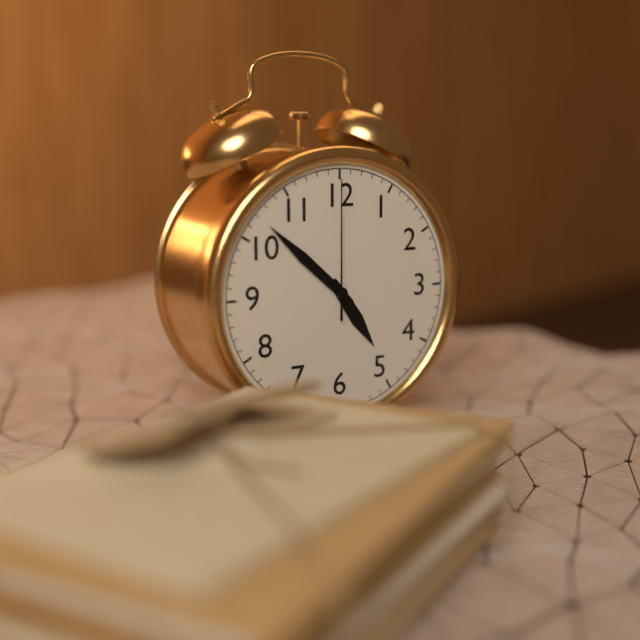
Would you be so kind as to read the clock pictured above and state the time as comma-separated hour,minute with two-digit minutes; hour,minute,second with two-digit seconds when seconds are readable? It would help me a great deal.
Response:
4,52,00
